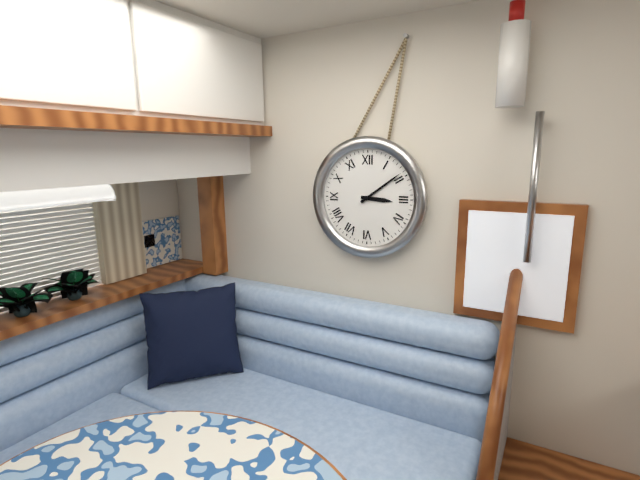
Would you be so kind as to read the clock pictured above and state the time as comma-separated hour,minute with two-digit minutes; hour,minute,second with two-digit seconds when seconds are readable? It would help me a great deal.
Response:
3,09
